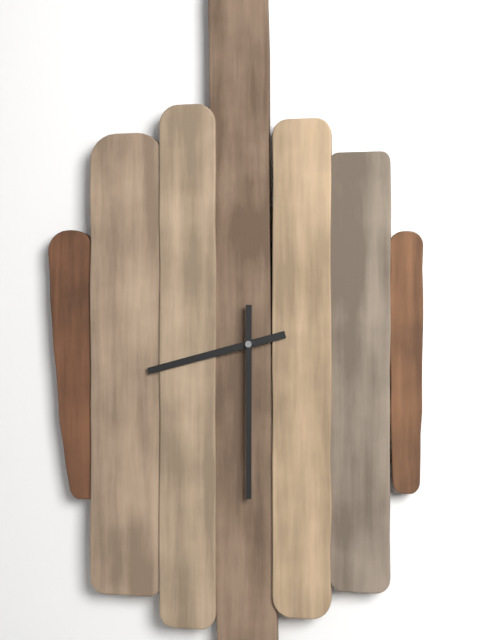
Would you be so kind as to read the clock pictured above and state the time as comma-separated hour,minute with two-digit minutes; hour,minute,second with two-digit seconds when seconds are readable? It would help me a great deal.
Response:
8,30
